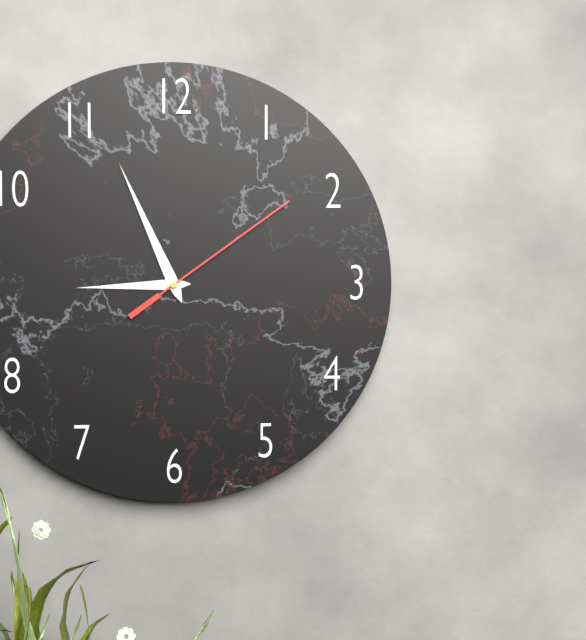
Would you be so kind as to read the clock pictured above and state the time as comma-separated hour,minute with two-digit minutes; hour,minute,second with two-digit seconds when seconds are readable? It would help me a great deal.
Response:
8,56,09
